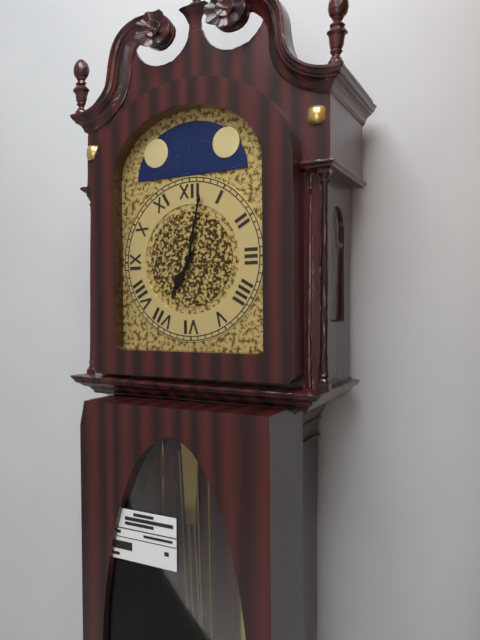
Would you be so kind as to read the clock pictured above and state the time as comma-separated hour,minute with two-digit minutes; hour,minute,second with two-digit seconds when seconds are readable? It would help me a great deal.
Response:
7,02
